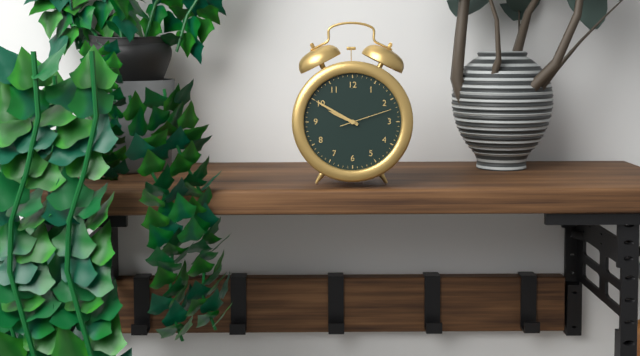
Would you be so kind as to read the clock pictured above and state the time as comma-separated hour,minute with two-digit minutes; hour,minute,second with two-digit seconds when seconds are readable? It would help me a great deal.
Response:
9,50,12
